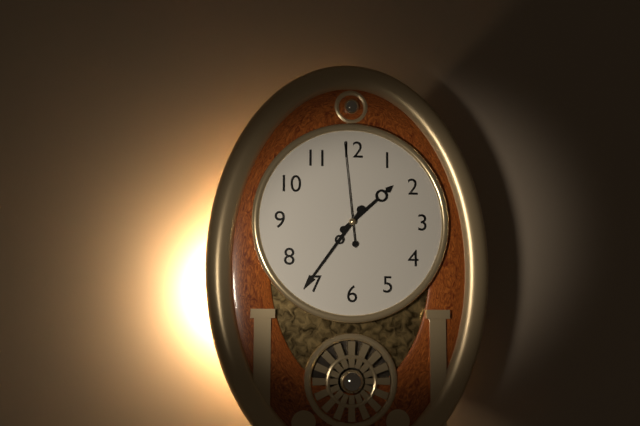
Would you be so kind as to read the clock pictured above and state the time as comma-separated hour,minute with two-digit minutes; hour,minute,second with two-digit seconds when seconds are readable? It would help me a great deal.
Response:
1,36,59
